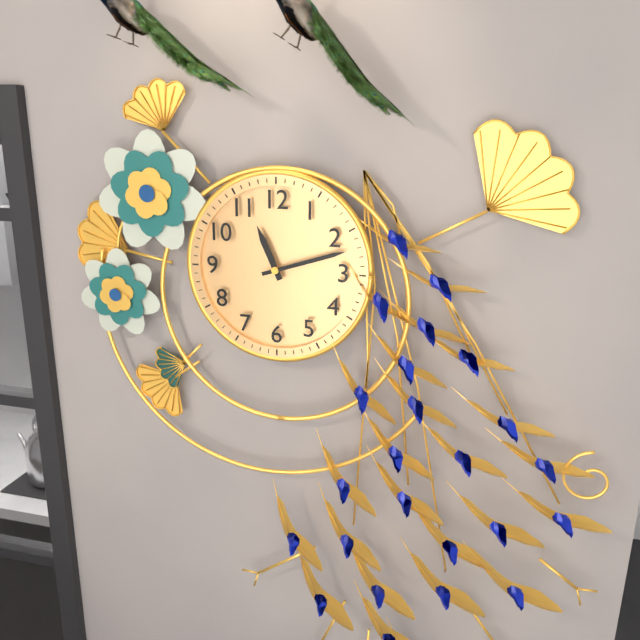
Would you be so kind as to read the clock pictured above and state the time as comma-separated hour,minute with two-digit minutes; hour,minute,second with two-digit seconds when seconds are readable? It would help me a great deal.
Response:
11,12
